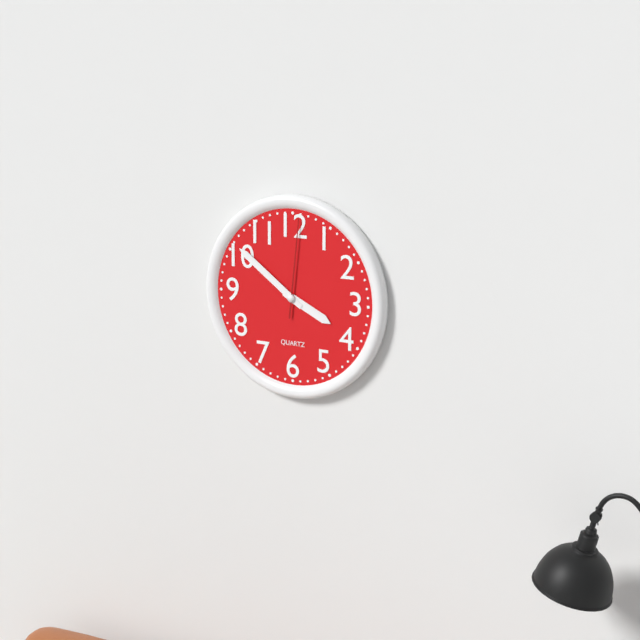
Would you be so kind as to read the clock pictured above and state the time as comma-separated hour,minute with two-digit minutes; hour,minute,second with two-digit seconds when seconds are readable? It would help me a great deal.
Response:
3,51,01
